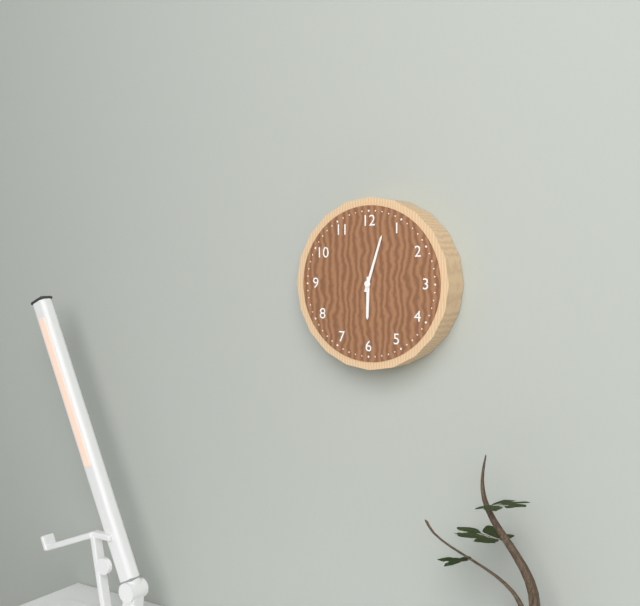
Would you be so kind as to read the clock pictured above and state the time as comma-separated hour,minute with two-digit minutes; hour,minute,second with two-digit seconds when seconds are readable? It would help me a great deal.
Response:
6,03
